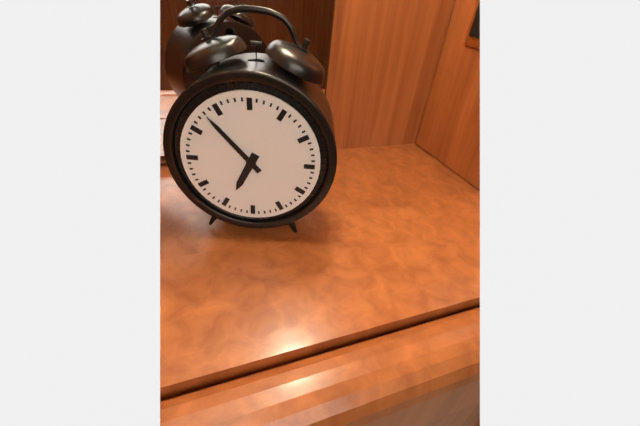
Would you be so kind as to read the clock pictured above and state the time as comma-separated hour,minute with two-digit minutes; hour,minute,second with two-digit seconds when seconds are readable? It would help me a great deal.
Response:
6,53
